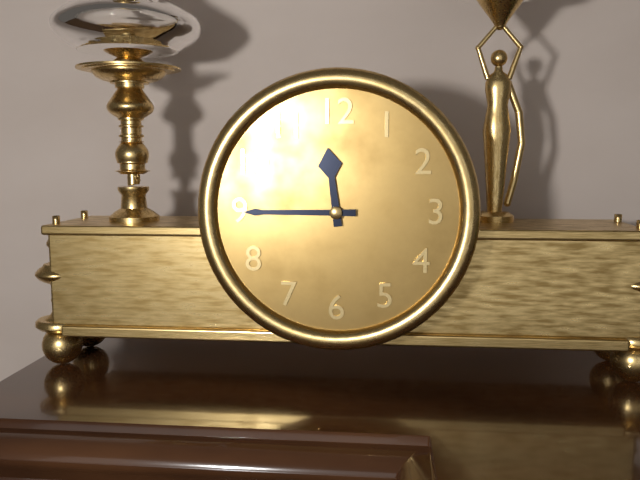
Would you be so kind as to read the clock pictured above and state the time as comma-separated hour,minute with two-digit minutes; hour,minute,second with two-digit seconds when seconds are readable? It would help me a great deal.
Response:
11,45
